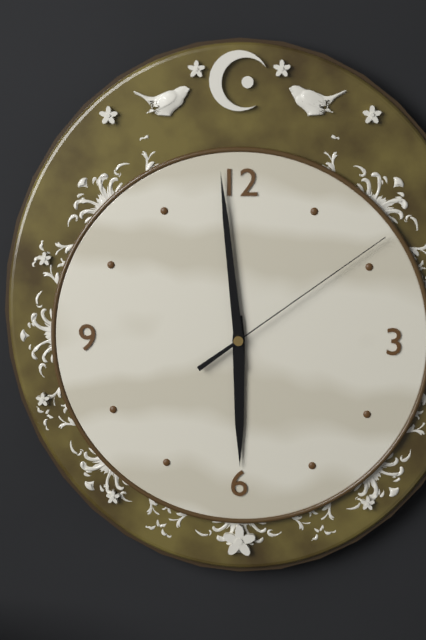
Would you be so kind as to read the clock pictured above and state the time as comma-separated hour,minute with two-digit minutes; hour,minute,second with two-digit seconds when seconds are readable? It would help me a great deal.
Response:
5,59,09
